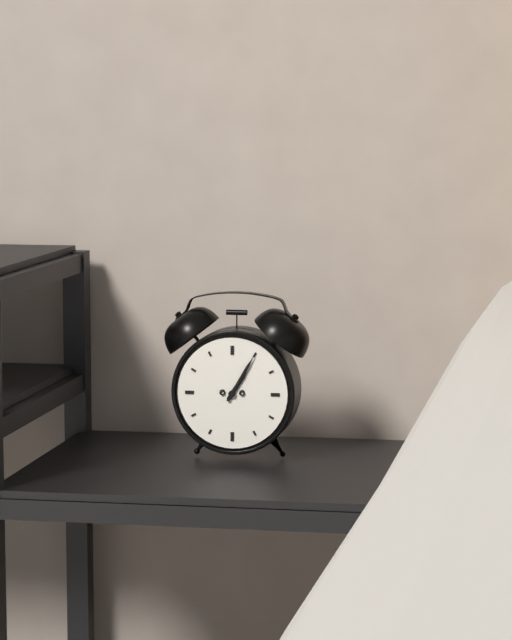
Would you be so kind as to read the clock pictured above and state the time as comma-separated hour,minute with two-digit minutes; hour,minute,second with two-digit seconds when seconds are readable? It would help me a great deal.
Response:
1,05
